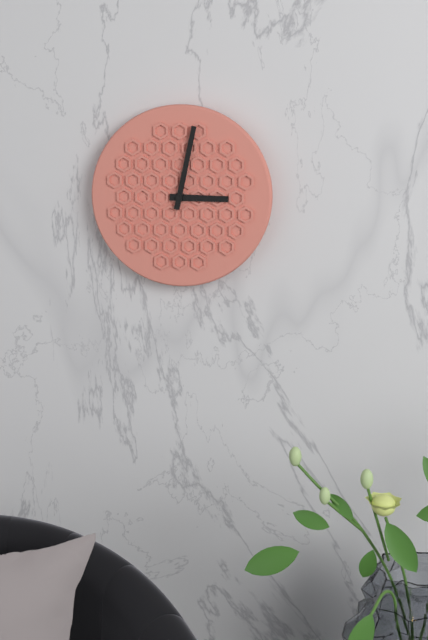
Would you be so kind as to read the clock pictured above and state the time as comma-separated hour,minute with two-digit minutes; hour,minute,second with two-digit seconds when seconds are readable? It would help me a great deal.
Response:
3,02
